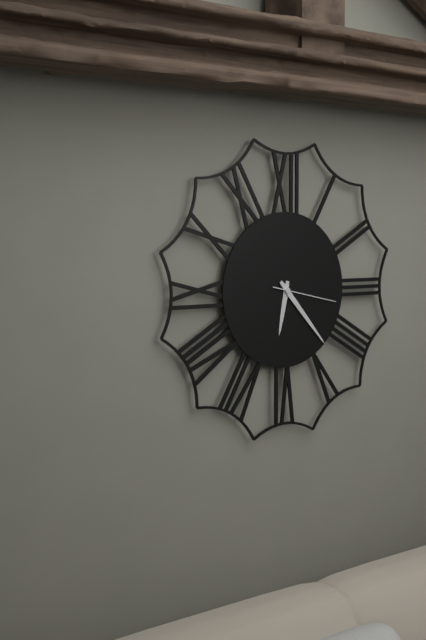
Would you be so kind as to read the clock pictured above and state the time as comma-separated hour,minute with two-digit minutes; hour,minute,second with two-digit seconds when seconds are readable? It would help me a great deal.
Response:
6,23,17
